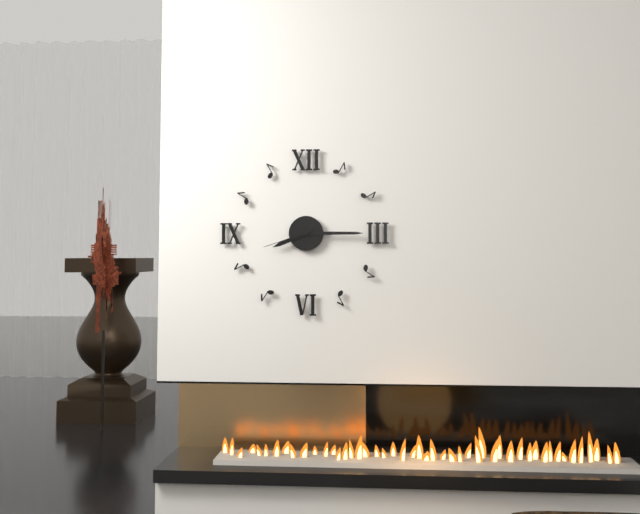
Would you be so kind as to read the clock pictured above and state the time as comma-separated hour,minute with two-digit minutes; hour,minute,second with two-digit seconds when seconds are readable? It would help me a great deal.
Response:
8,15,42
